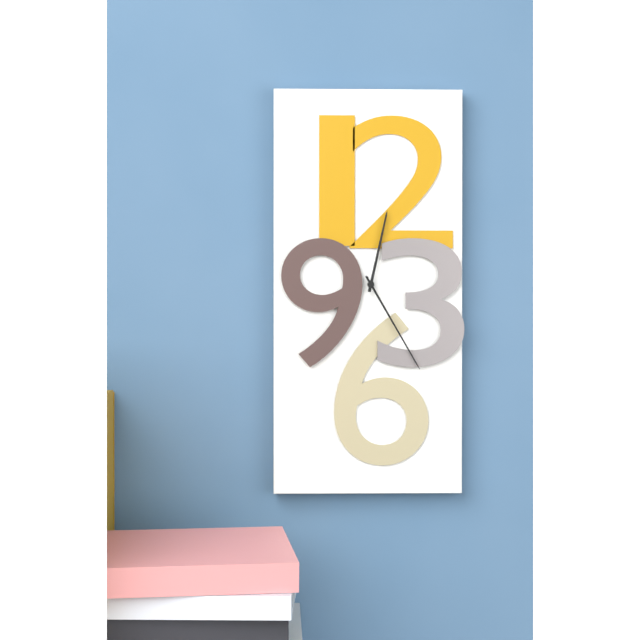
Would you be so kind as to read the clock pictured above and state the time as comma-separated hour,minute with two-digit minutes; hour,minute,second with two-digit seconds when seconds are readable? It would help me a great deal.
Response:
12,25
